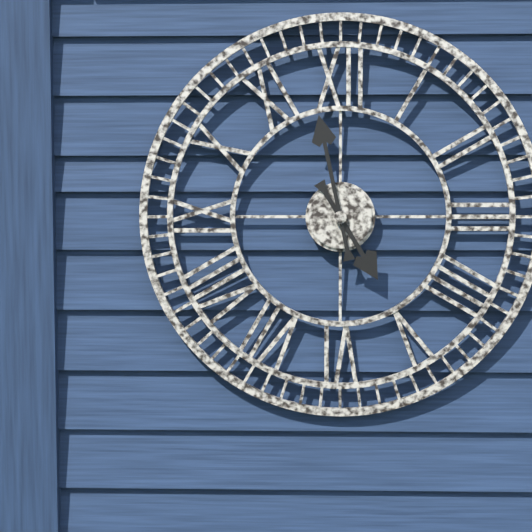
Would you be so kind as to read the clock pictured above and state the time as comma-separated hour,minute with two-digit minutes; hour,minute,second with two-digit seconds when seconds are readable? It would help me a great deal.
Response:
4,58
